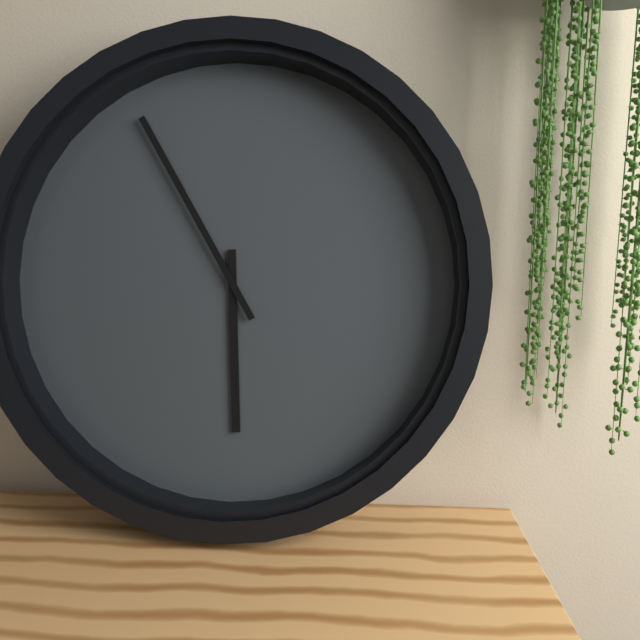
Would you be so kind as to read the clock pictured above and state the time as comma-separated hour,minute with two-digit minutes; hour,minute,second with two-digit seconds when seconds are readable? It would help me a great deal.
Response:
5,55
